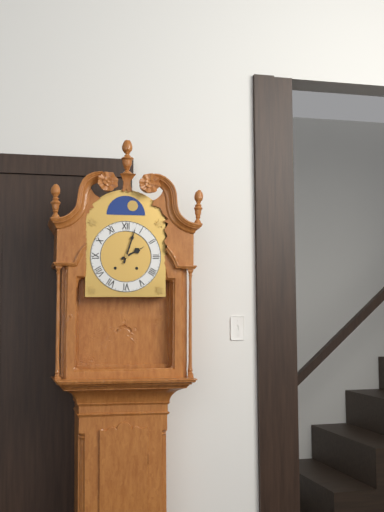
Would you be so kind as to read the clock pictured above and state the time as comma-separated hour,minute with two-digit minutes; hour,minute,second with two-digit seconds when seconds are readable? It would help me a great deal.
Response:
2,03
